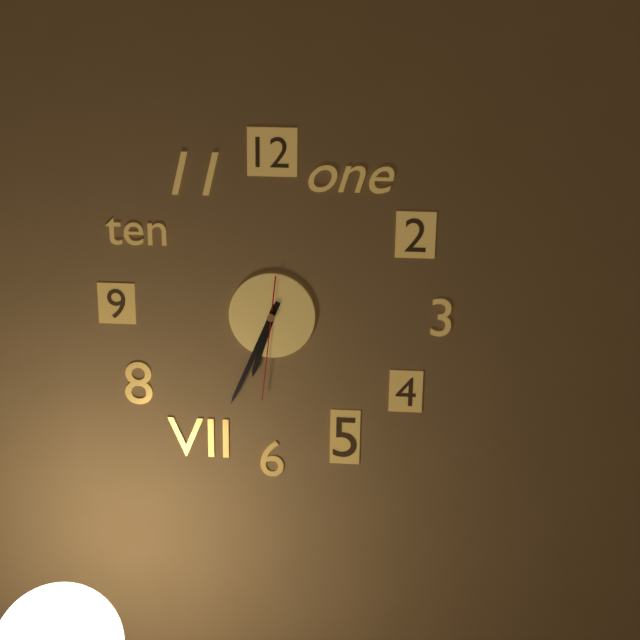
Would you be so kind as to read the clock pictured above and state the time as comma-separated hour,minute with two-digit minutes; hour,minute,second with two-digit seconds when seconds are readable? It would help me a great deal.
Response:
6,34,31
